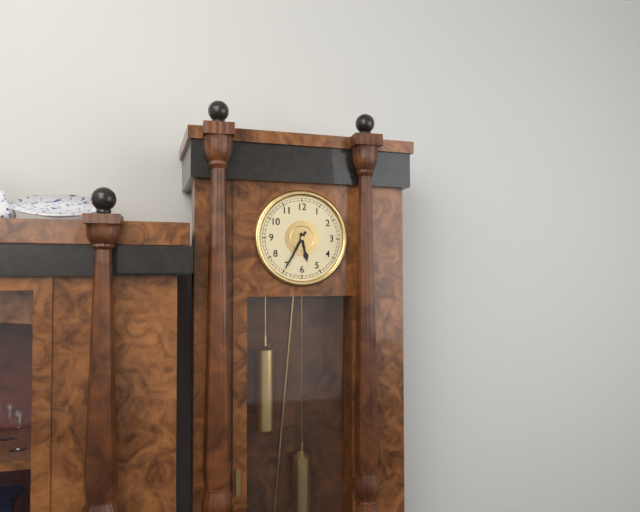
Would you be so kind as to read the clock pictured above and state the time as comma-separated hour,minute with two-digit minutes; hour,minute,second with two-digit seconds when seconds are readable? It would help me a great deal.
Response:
5,35
